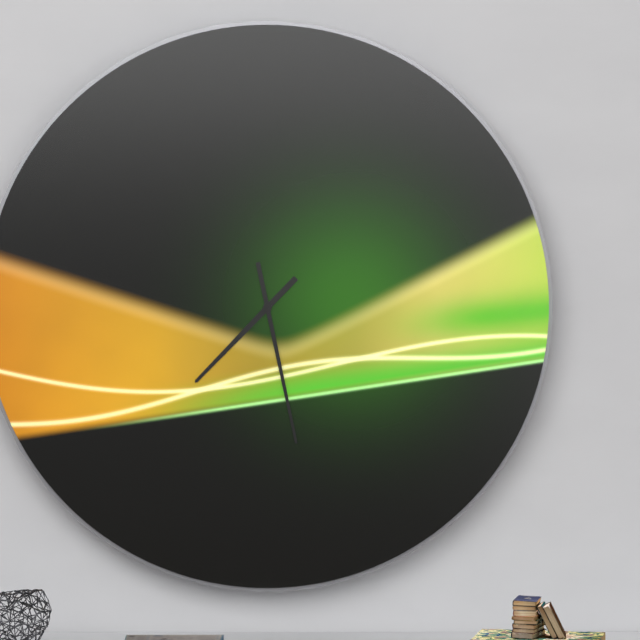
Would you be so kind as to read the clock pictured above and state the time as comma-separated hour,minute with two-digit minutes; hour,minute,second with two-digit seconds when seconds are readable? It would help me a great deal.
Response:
7,28
